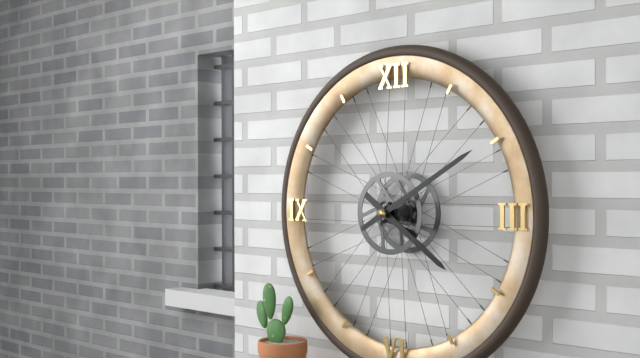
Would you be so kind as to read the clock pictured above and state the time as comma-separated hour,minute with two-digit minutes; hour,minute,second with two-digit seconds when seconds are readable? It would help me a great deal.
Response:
4,10
